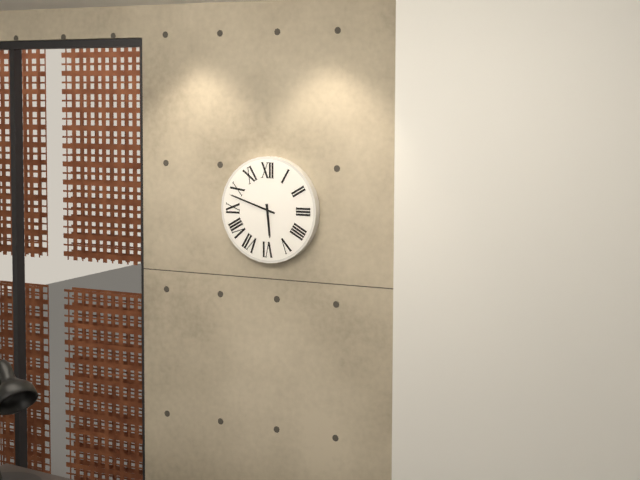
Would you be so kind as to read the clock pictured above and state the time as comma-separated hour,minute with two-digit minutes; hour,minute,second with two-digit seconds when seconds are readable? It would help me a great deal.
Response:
5,48
